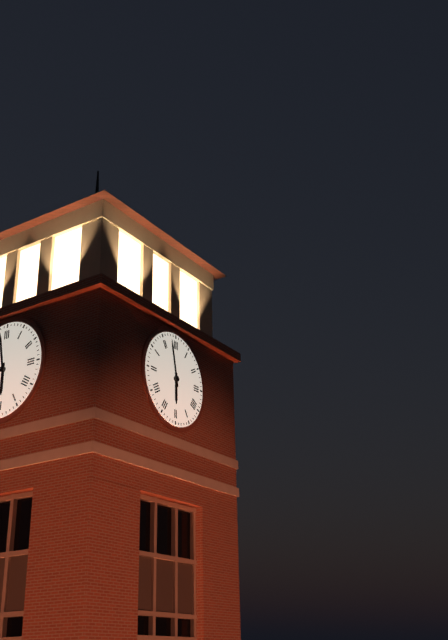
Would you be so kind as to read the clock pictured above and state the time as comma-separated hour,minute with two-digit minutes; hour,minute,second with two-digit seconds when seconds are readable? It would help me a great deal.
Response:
5,58
